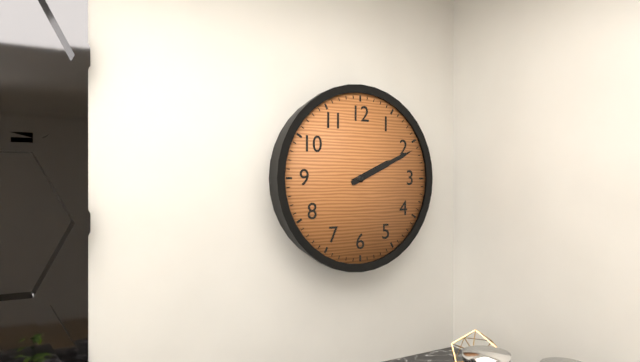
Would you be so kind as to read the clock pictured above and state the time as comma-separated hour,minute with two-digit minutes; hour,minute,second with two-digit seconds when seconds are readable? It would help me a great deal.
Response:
2,11
